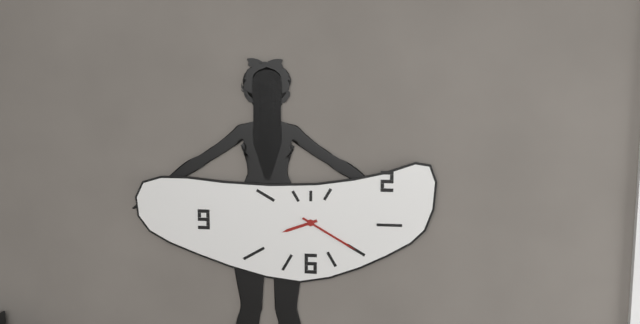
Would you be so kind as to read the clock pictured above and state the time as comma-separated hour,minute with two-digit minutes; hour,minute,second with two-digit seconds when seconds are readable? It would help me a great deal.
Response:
8,20
